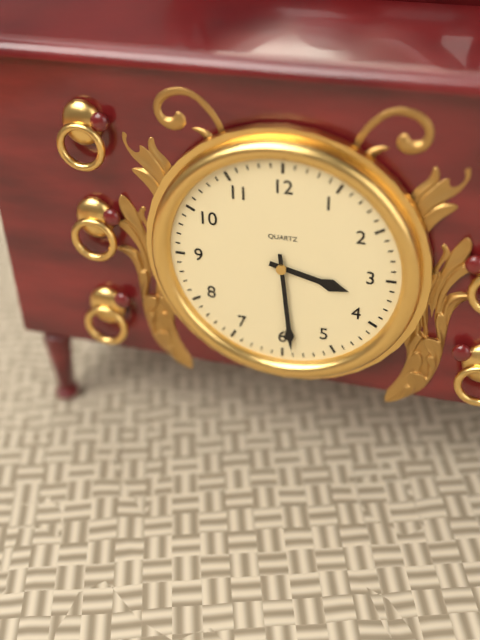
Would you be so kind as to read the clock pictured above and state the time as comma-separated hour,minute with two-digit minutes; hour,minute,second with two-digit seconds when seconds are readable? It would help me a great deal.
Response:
3,29
